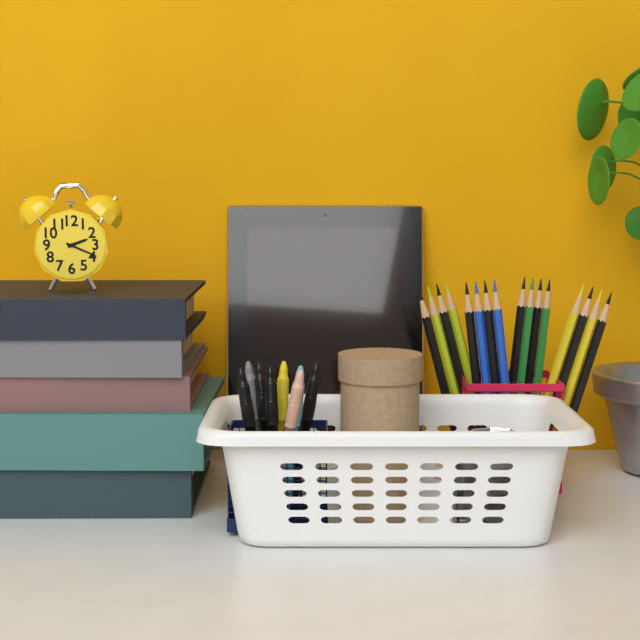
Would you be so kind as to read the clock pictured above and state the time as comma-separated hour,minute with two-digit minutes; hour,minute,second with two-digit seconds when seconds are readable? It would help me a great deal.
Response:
2,19
